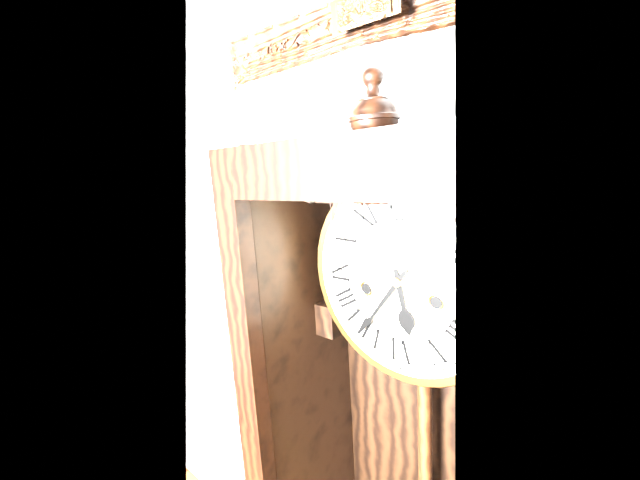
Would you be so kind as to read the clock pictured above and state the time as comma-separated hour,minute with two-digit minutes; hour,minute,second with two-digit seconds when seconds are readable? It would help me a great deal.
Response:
5,36
